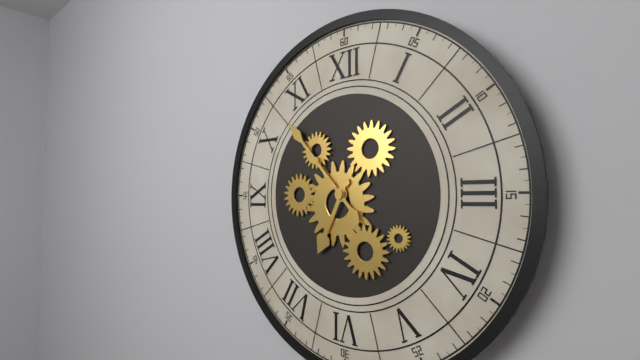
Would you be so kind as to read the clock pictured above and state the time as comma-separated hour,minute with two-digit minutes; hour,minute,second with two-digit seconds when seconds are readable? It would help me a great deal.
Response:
6,53
